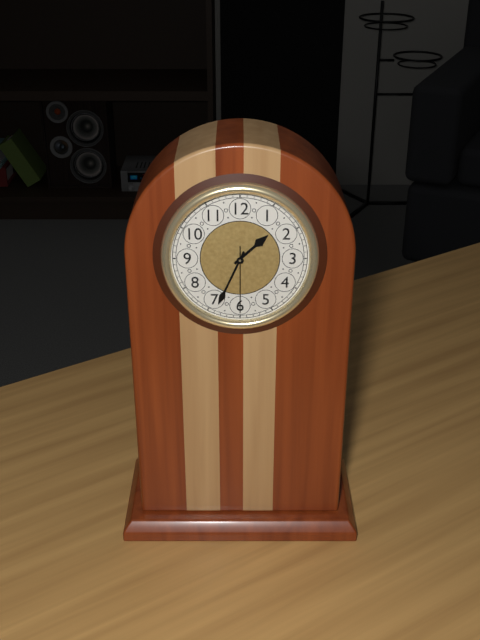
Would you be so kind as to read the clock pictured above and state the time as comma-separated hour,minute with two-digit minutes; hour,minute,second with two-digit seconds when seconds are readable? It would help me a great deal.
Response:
1,34,30
